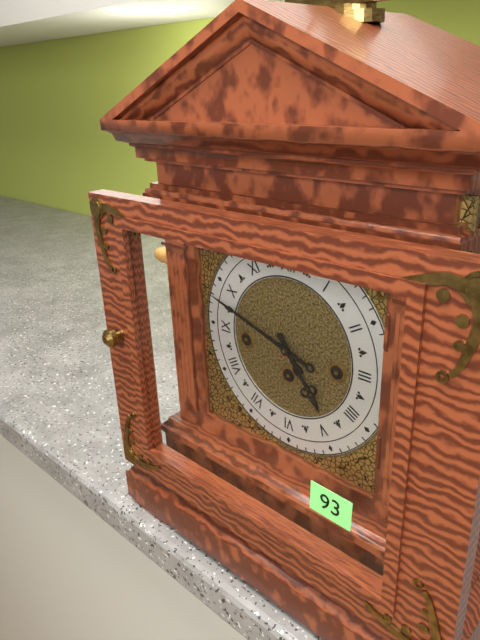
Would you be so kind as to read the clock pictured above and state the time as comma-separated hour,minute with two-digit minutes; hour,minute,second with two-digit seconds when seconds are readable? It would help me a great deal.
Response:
4,48
